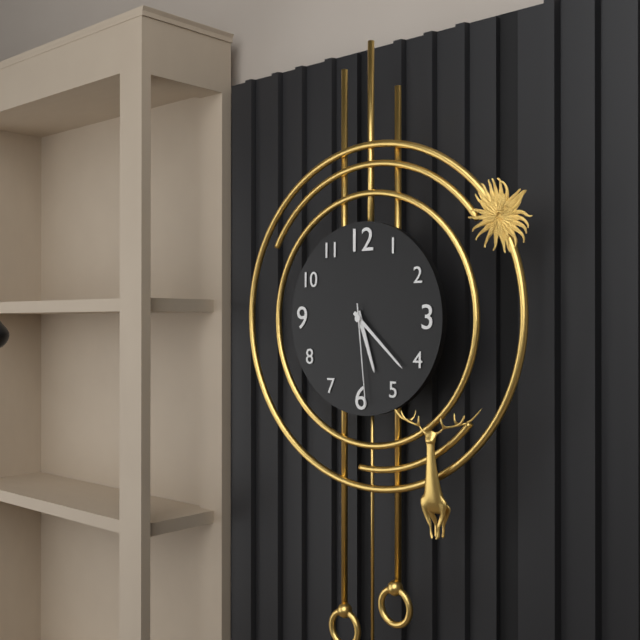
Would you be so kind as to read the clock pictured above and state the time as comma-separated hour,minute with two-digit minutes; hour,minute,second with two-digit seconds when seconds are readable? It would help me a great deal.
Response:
5,22,29
